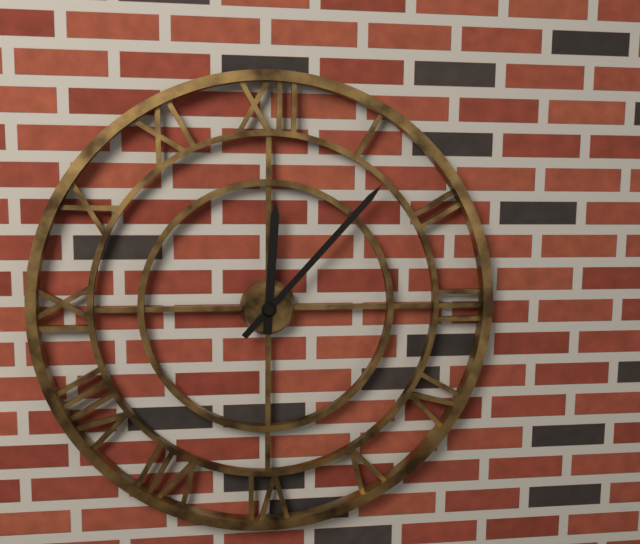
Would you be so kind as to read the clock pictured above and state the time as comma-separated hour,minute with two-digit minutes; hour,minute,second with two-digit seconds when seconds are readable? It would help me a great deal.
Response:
12,07
